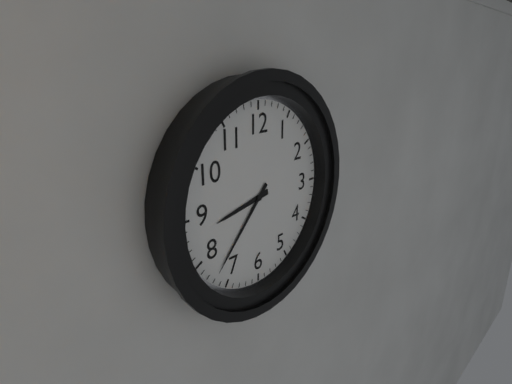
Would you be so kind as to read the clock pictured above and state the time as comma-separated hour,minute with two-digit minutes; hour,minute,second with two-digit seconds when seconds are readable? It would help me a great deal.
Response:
8,37
